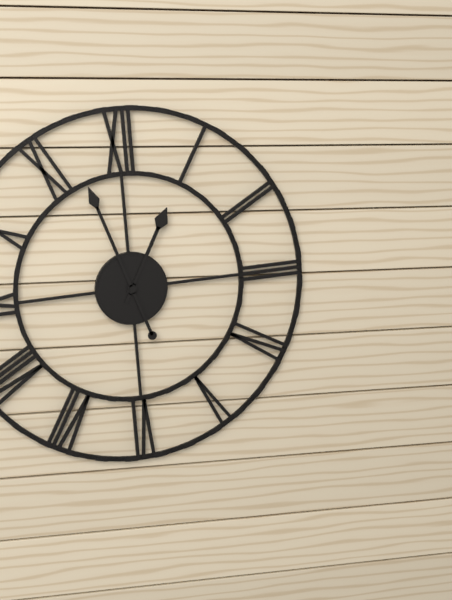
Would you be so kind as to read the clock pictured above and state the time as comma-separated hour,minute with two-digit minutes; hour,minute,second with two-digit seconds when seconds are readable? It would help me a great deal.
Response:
12,57
